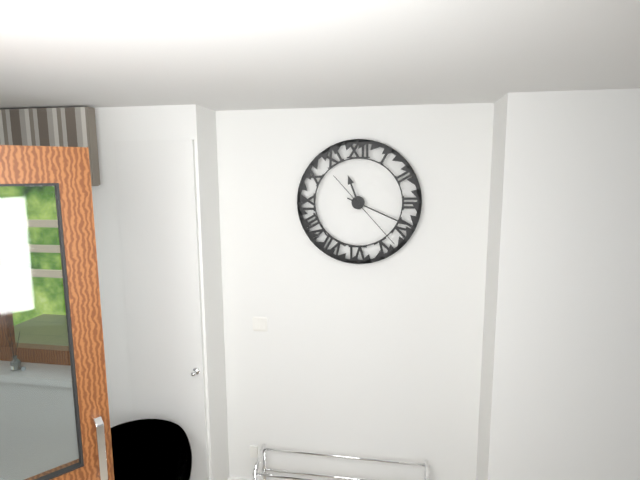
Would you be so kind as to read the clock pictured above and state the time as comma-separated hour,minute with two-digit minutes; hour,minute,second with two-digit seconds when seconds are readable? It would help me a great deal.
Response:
11,19,23
